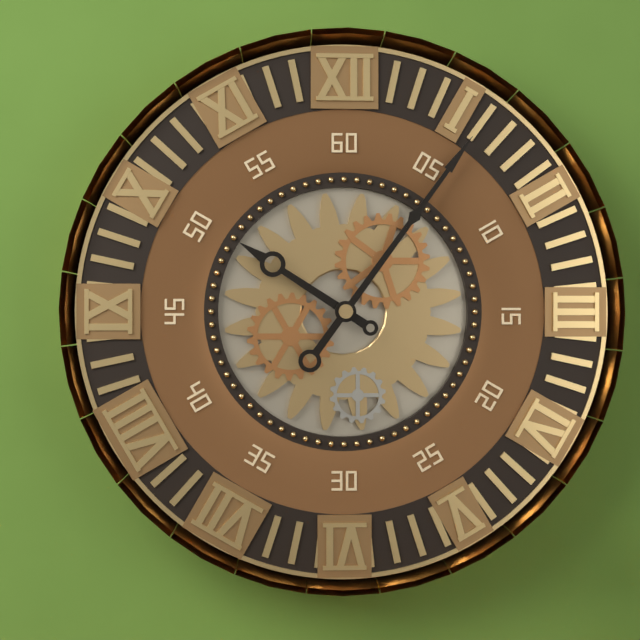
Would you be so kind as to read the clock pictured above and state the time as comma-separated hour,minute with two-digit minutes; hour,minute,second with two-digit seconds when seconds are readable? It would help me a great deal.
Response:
10,06
